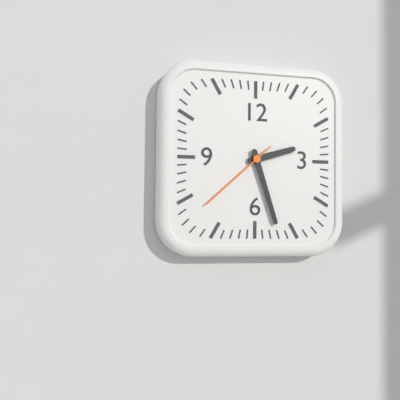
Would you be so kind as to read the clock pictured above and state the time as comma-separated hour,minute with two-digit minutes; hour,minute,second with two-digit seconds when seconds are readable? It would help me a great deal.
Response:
2,27,38
